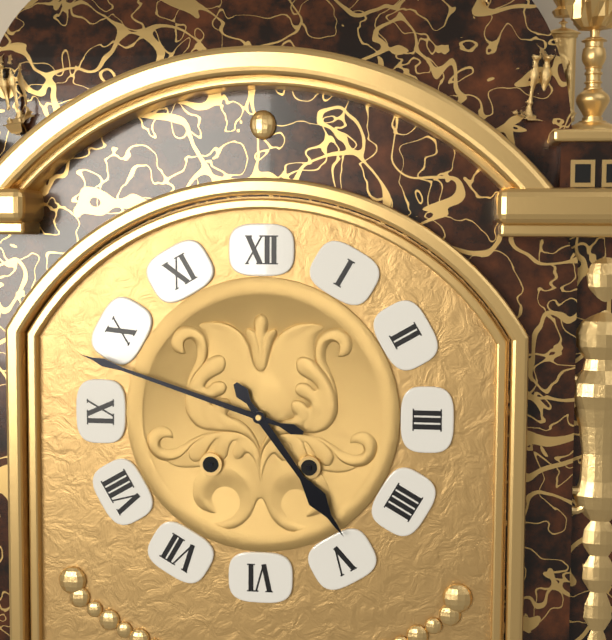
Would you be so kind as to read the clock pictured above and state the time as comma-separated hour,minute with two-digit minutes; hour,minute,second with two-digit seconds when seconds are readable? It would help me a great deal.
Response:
4,48
